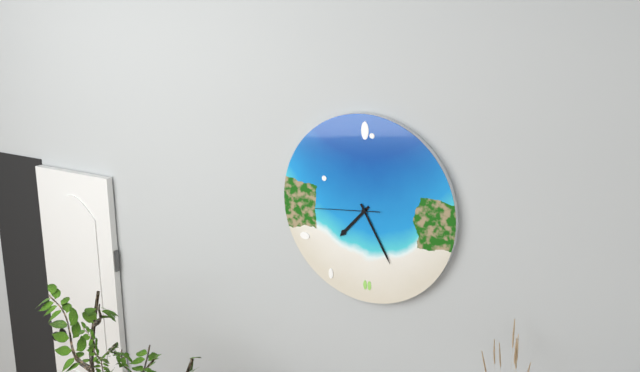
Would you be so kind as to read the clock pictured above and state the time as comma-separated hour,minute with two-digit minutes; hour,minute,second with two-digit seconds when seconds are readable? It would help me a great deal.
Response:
7,25,44
